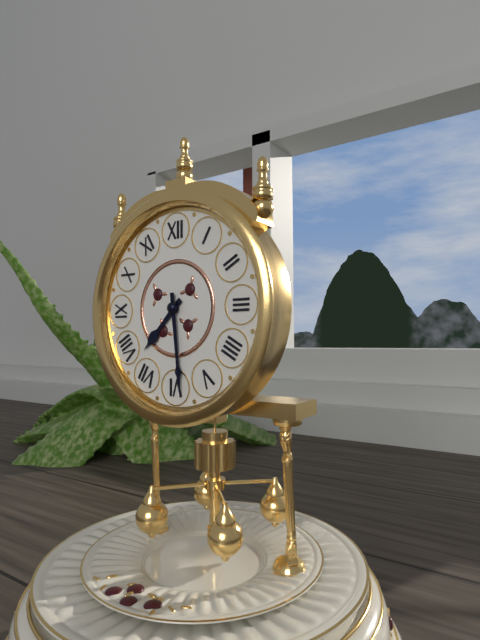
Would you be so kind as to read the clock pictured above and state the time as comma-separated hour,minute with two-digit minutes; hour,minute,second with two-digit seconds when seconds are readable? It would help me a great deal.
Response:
7,29
